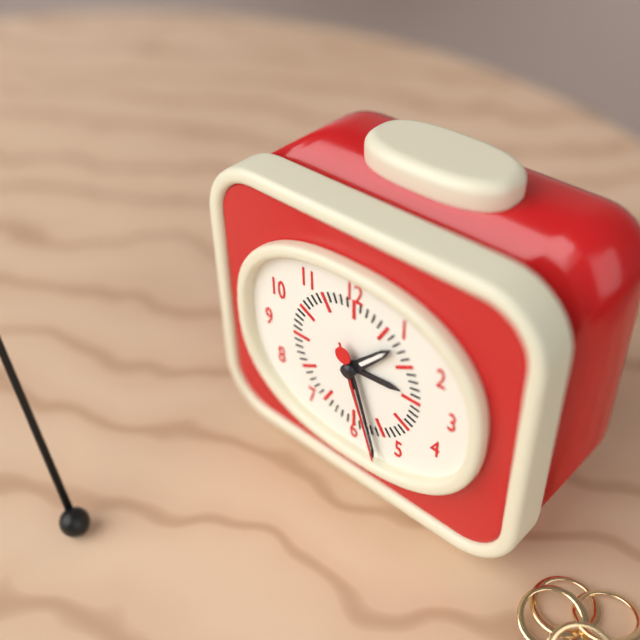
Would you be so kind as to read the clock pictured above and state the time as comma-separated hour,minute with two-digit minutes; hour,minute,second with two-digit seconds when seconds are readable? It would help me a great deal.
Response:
1,27,27
